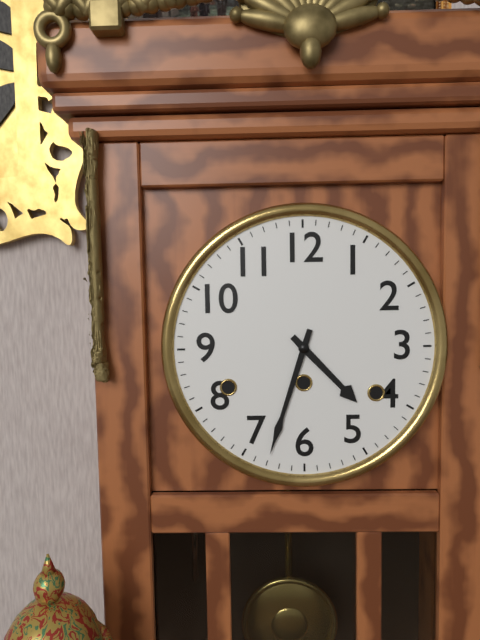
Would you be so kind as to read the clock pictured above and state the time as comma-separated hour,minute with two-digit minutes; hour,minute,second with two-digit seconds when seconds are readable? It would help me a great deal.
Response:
4,33
